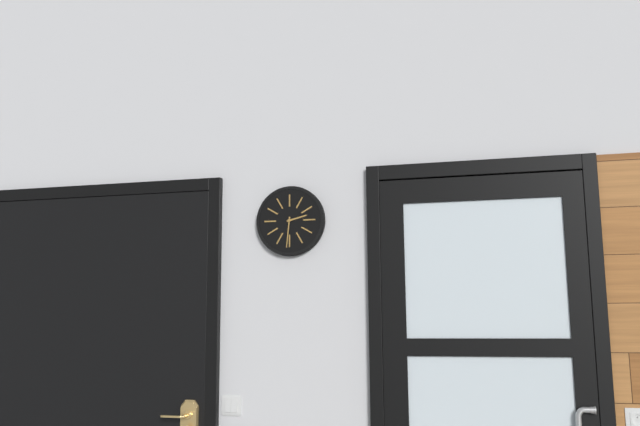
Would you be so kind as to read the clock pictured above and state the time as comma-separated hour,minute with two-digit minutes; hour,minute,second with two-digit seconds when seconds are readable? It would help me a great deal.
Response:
2,31
